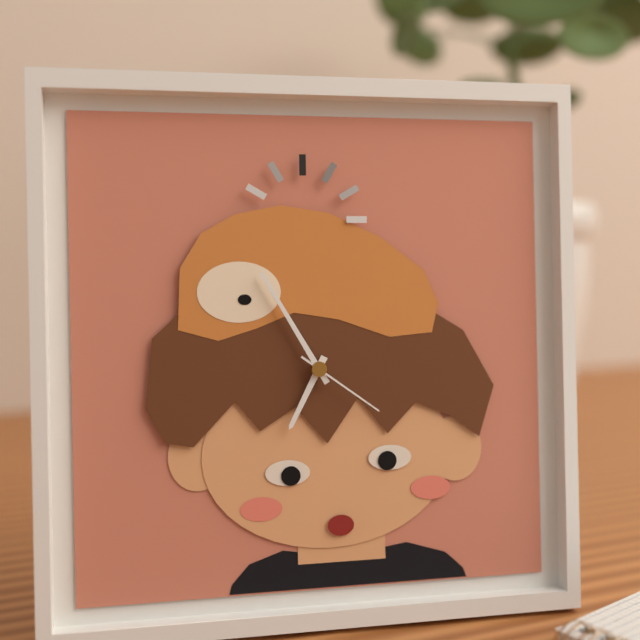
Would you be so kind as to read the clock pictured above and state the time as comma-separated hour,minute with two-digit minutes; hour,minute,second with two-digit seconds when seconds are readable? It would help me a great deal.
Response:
6,55,21
